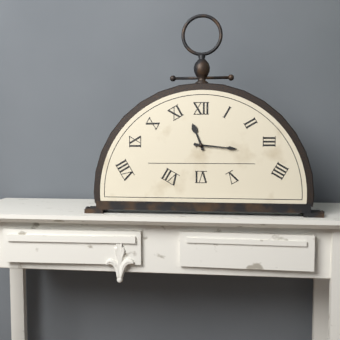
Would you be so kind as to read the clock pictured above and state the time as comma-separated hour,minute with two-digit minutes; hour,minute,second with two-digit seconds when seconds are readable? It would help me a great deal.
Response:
11,16
